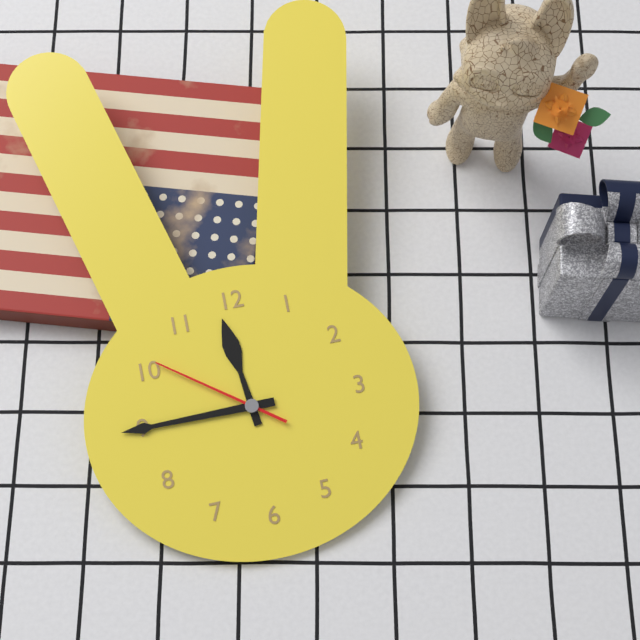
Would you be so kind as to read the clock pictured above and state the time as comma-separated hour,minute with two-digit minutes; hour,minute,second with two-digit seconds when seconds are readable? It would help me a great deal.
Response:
11,45,51
